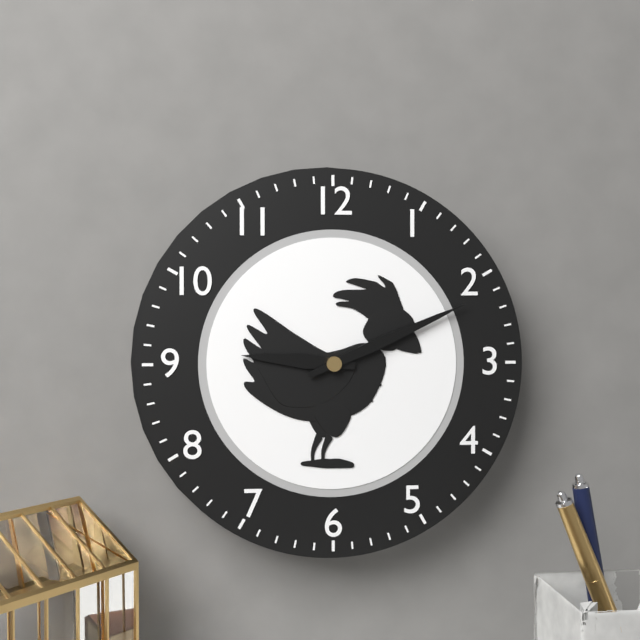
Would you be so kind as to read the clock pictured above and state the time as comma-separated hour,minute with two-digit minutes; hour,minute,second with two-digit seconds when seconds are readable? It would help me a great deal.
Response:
9,11
